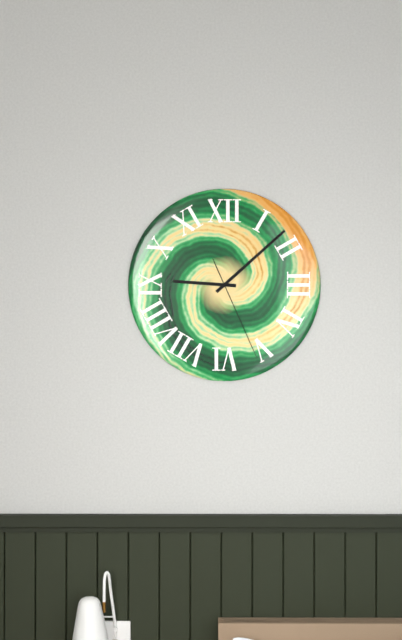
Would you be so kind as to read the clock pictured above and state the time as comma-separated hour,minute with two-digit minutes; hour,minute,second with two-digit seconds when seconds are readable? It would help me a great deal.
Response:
9,08,26
